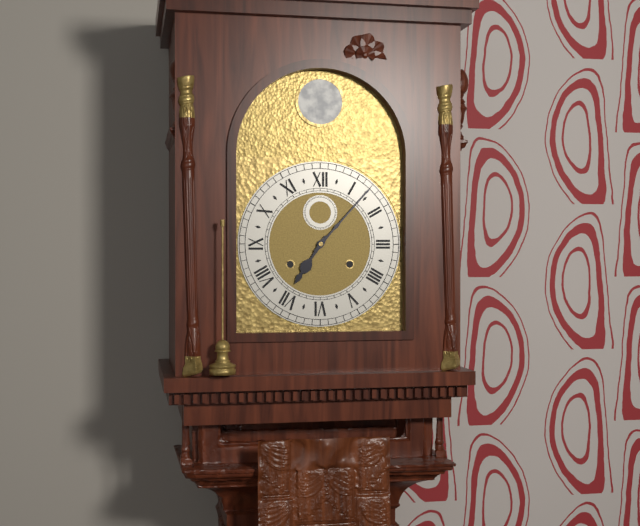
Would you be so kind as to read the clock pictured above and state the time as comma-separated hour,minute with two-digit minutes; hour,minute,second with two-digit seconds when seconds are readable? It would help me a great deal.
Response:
7,07
